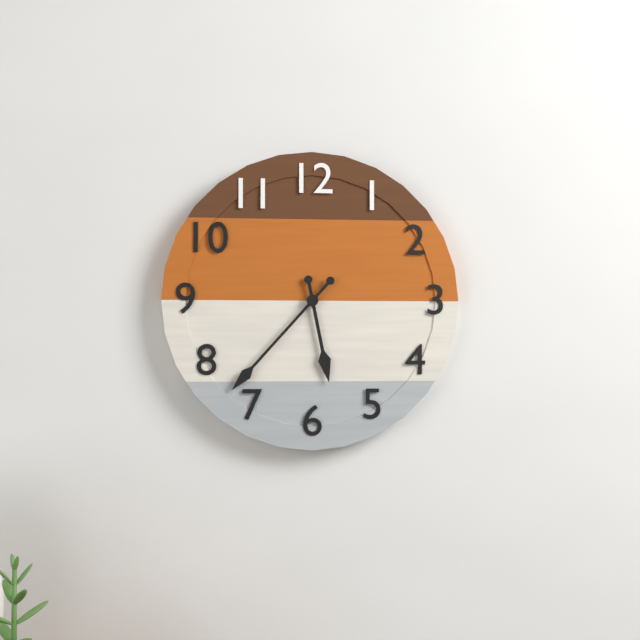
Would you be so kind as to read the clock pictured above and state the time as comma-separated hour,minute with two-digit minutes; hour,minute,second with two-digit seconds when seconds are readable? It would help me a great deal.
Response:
5,37
